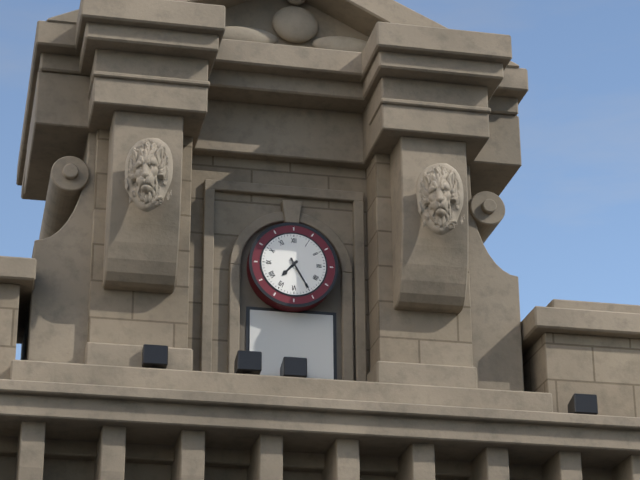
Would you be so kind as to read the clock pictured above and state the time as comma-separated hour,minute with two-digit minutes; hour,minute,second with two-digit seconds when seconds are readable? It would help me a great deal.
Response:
7,25
